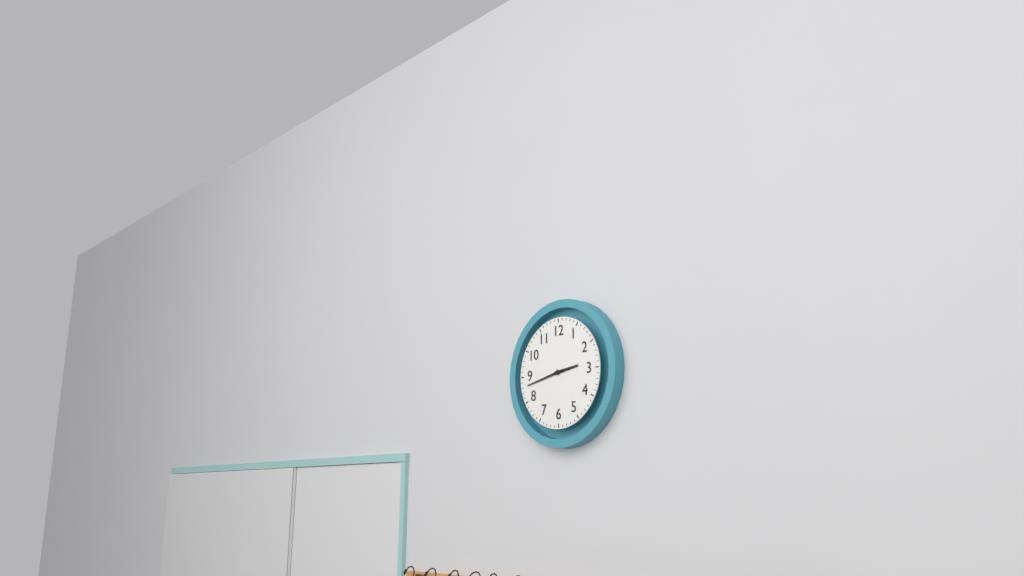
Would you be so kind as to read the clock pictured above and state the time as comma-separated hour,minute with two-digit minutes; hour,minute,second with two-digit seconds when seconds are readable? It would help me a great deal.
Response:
2,43
